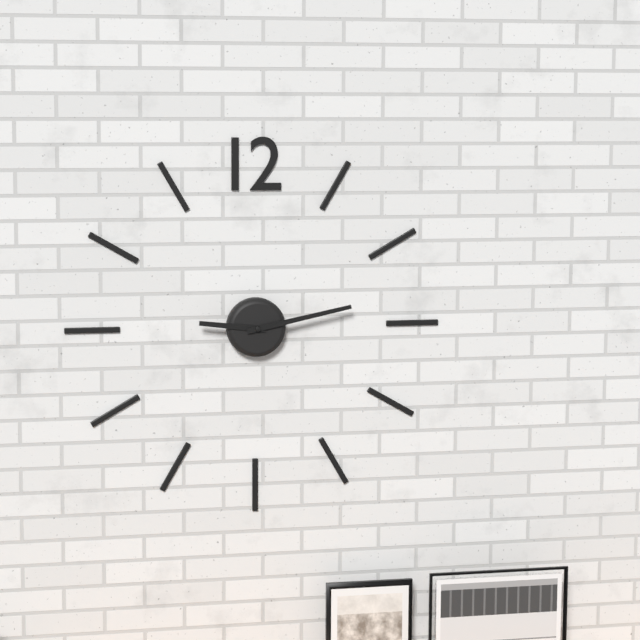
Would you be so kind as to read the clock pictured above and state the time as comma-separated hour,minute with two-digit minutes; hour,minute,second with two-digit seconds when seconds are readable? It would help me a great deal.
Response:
9,13
